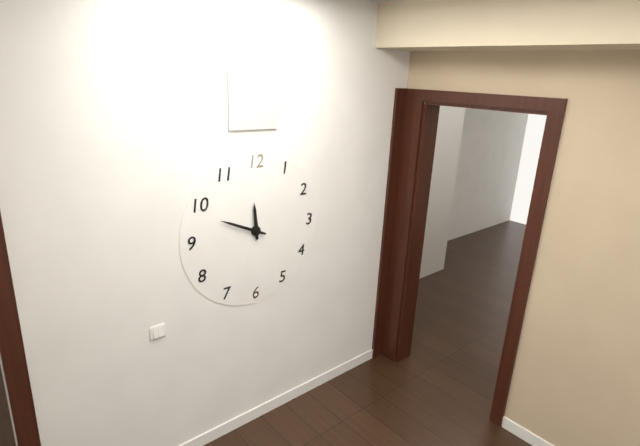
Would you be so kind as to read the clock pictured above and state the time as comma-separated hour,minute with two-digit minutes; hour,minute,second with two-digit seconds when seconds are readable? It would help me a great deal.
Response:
11,49
